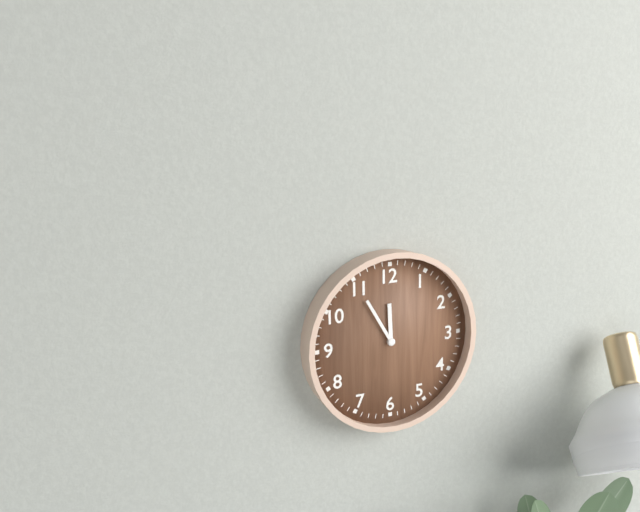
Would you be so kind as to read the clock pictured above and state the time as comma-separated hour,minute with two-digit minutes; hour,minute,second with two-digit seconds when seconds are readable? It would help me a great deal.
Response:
11,55
